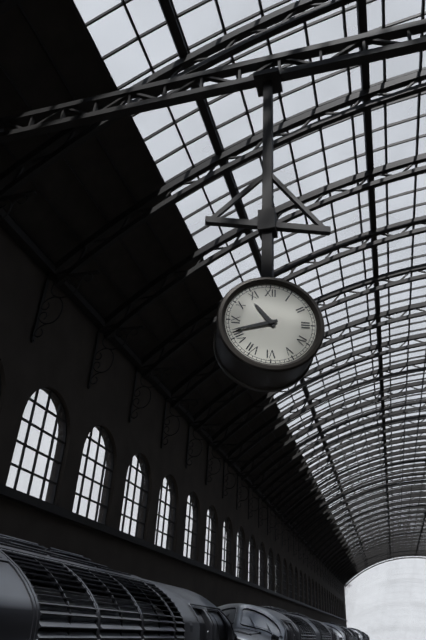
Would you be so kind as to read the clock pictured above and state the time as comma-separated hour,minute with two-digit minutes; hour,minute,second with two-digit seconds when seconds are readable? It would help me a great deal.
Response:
10,42
